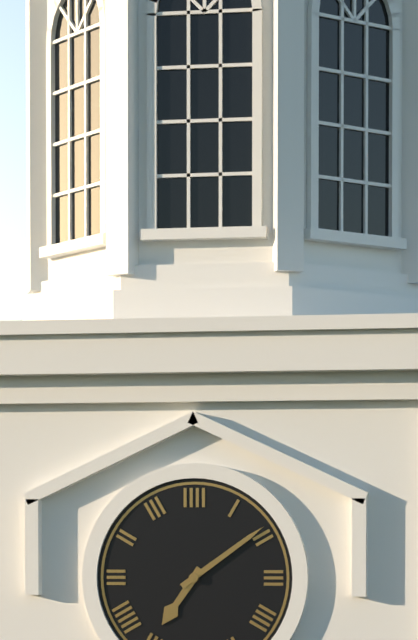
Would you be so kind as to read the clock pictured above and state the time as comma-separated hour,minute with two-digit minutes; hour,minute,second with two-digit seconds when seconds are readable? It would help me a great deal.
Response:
7,09
